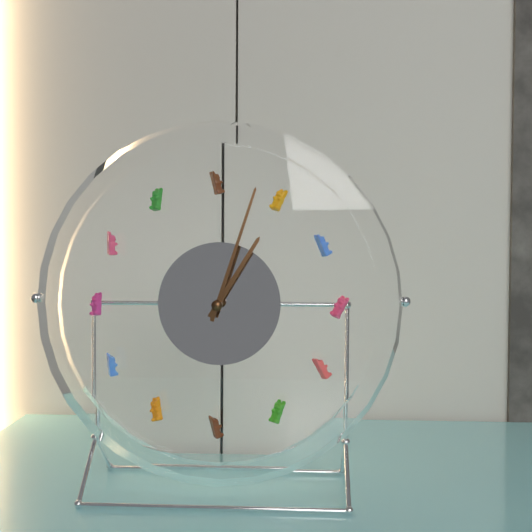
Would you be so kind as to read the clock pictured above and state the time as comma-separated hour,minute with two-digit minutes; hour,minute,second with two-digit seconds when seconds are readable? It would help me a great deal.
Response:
1,03
